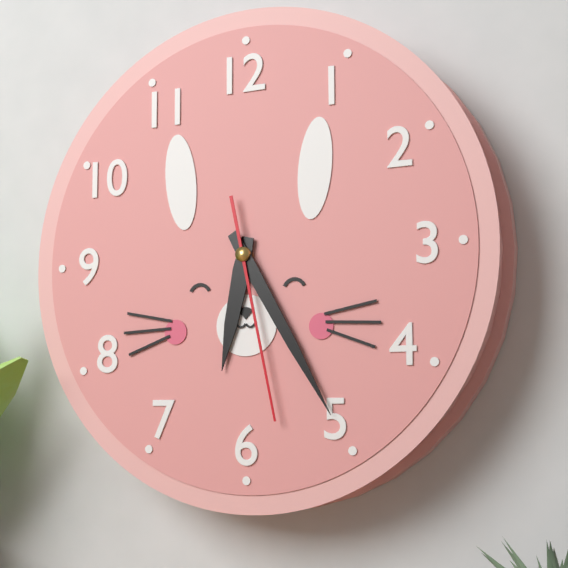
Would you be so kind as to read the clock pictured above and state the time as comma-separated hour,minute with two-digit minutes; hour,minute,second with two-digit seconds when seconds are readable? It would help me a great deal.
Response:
6,25,28
